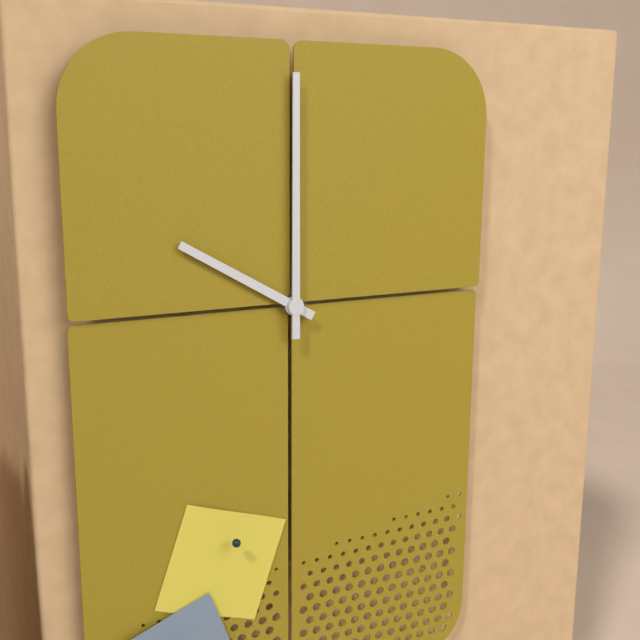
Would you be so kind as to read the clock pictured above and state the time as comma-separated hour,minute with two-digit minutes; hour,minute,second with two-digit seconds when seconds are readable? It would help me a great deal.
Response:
10,00
